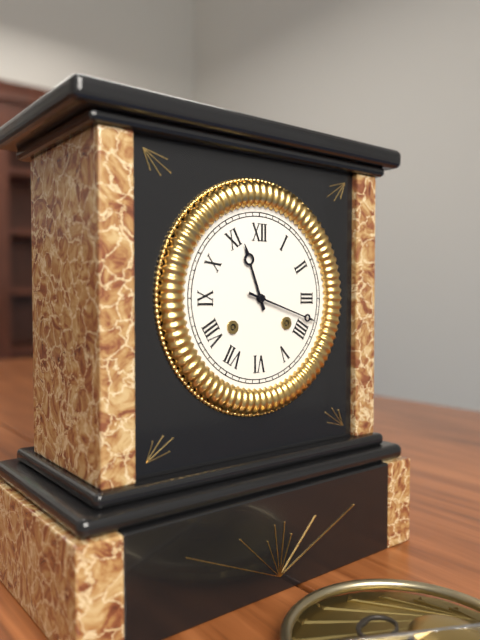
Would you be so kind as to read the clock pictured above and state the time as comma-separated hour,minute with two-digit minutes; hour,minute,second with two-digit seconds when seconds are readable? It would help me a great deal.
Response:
11,18
